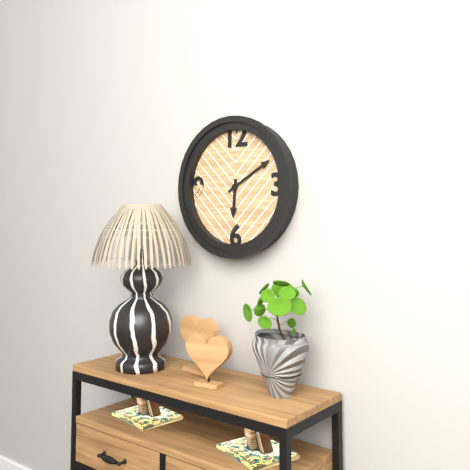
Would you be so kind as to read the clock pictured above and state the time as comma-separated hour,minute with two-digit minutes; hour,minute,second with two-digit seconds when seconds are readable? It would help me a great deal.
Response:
6,10
